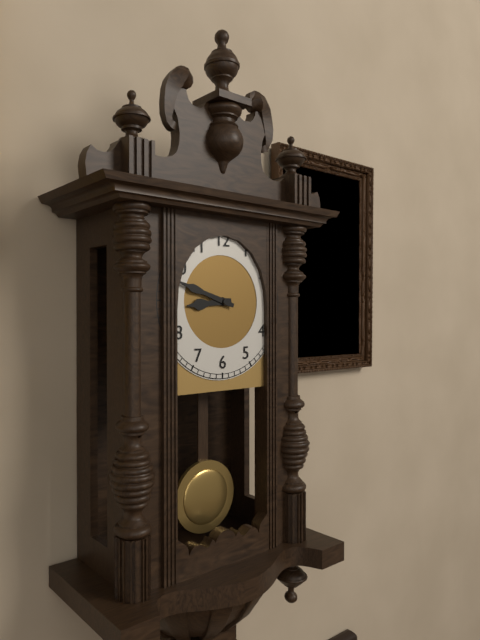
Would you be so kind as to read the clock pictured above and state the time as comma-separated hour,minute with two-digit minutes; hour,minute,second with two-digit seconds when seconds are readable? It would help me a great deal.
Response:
8,48
